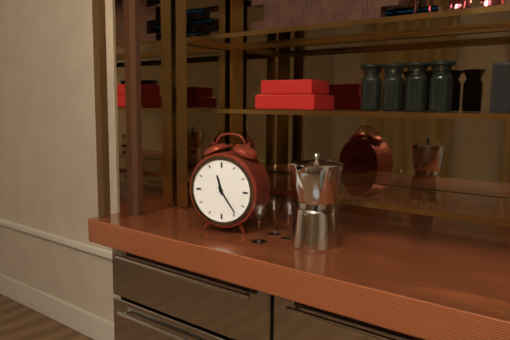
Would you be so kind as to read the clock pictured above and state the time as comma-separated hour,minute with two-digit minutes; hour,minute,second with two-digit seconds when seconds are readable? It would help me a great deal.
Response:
11,24
